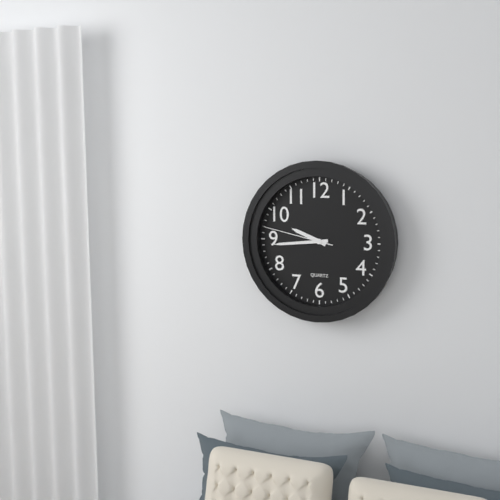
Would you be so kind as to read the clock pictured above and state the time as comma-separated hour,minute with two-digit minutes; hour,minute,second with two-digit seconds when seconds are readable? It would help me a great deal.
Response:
9,44,47
